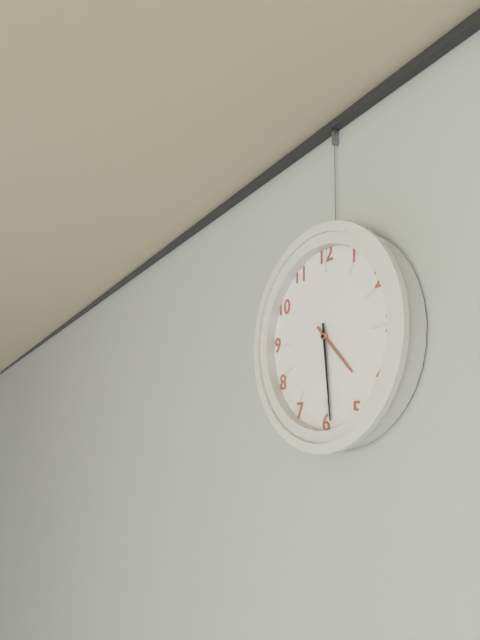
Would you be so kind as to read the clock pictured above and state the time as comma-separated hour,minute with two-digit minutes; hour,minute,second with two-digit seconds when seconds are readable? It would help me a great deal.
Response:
4,29
